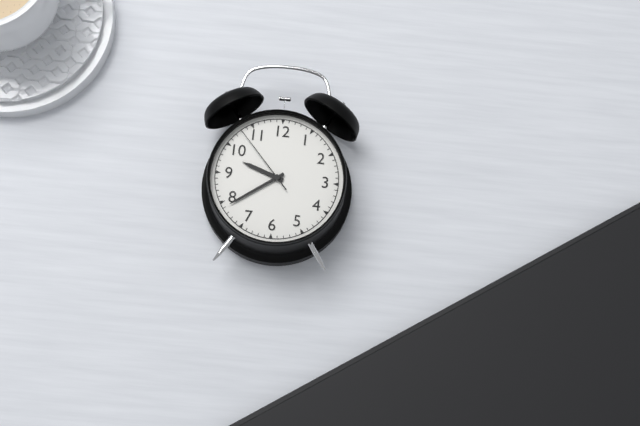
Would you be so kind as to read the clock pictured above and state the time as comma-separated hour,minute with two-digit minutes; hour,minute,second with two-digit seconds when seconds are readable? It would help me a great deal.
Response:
9,39,53
